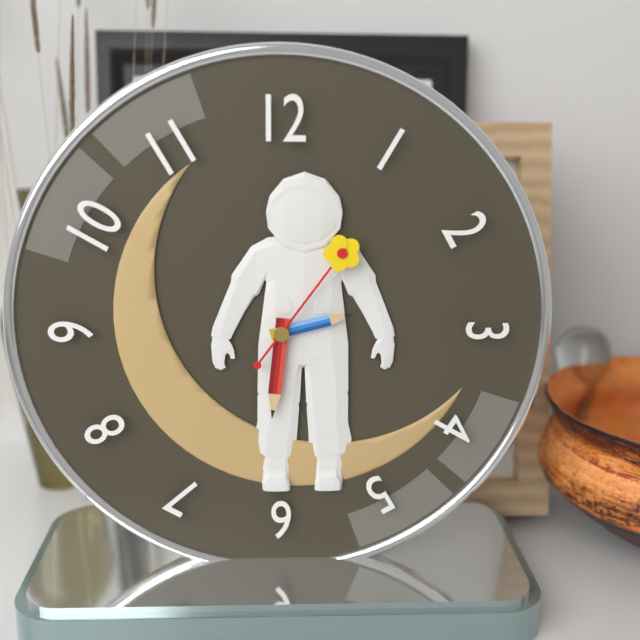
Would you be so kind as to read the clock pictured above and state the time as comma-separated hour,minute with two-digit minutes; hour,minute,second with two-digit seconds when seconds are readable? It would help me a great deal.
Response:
2,31,06
